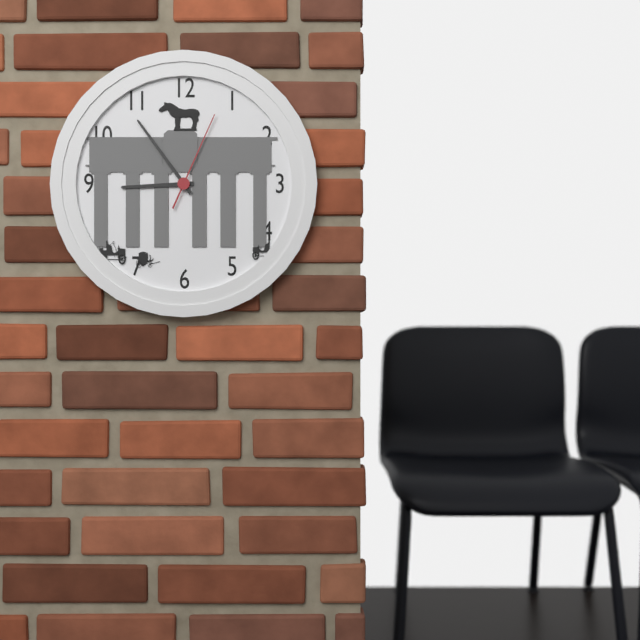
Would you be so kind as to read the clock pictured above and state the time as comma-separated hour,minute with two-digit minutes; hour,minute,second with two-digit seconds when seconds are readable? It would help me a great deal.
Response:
8,54,04
